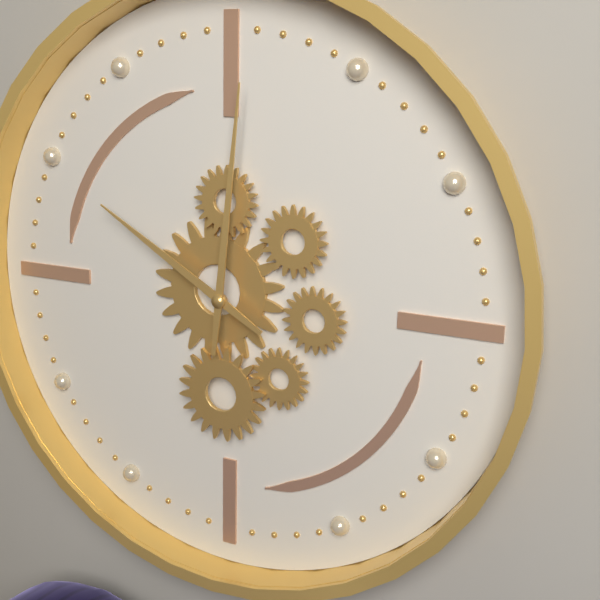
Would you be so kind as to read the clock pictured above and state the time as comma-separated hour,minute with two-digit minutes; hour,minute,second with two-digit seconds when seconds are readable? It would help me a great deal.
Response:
10,01
